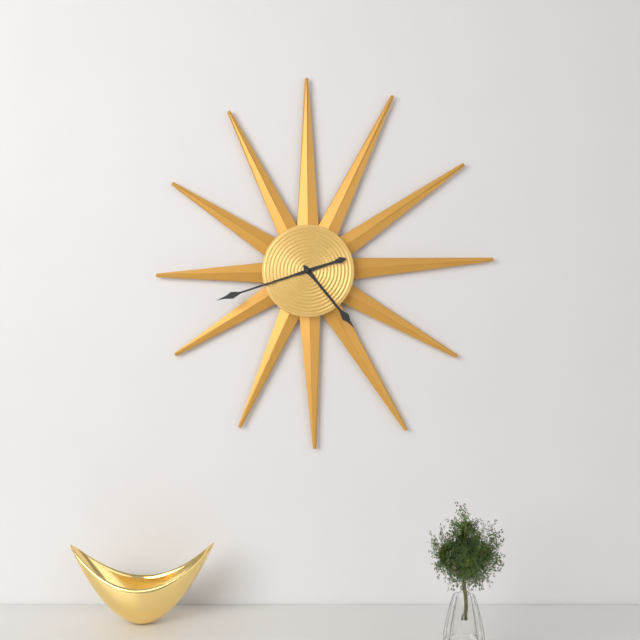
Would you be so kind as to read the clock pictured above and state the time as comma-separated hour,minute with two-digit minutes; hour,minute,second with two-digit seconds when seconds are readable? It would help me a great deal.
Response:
4,42
